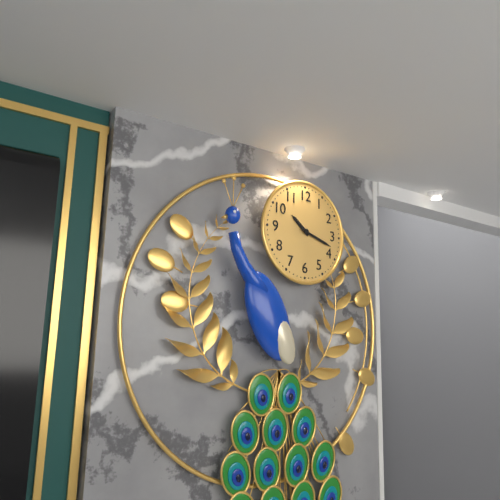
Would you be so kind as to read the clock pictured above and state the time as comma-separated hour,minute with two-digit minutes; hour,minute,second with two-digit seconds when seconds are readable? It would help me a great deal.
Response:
10,18
